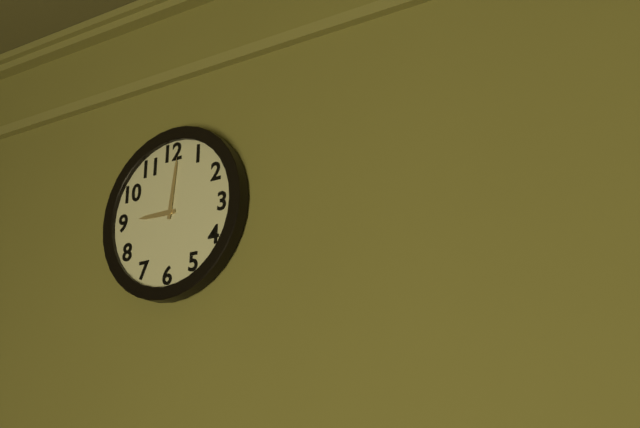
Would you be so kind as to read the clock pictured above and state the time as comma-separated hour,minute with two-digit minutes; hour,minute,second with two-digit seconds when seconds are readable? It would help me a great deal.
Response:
9,01
